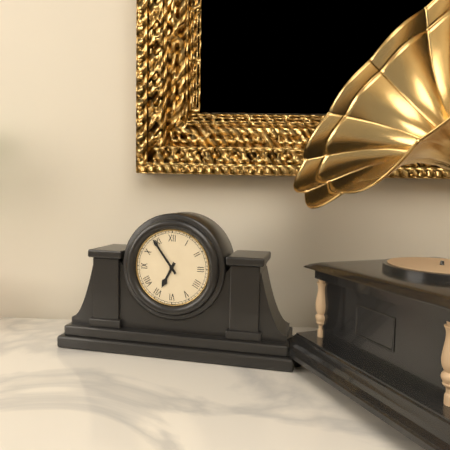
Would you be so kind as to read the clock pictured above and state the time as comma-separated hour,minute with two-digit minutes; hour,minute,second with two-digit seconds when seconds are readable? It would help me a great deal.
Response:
6,54
